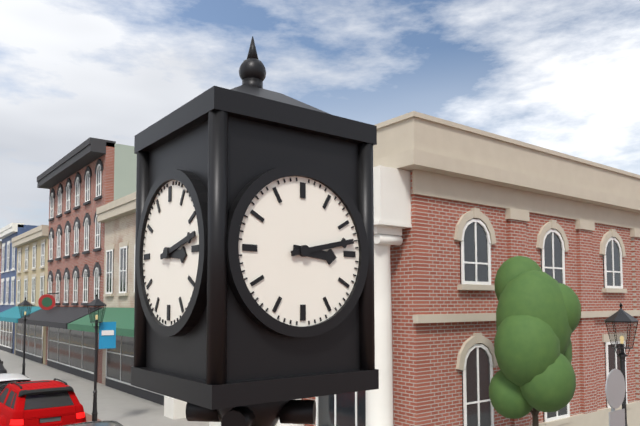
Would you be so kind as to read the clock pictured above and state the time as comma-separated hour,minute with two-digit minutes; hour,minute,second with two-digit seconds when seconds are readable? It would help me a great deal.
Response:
3,13
